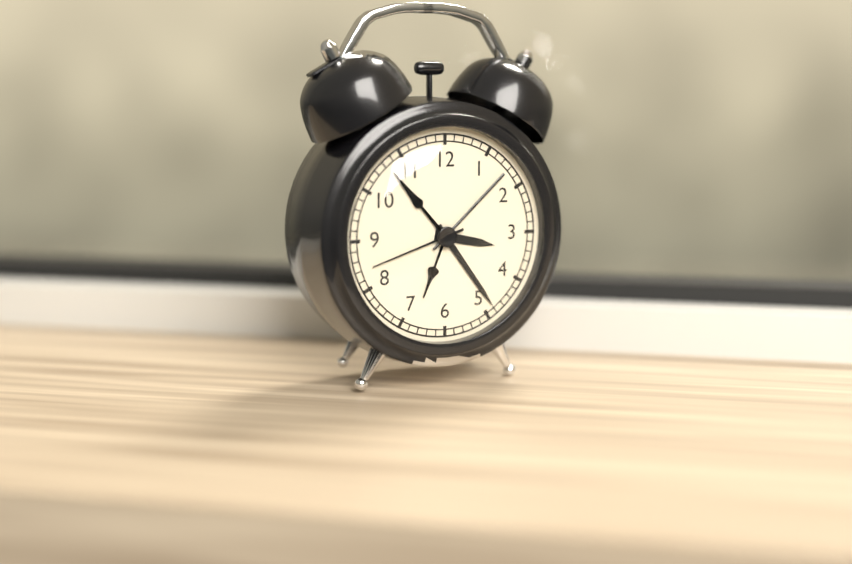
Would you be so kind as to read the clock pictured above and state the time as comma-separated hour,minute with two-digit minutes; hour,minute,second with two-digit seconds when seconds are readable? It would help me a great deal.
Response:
3,24,42
